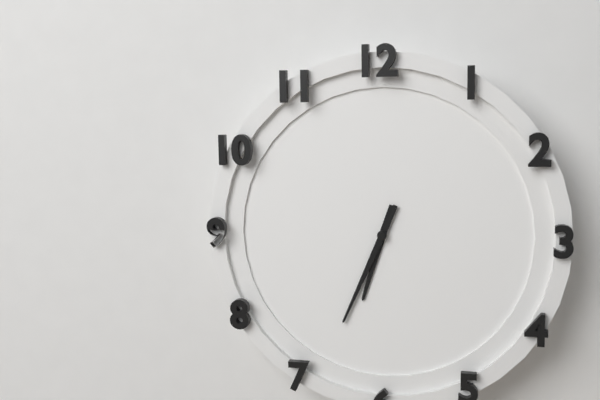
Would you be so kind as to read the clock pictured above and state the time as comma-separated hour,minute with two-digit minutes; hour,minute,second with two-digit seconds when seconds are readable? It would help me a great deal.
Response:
6,34
